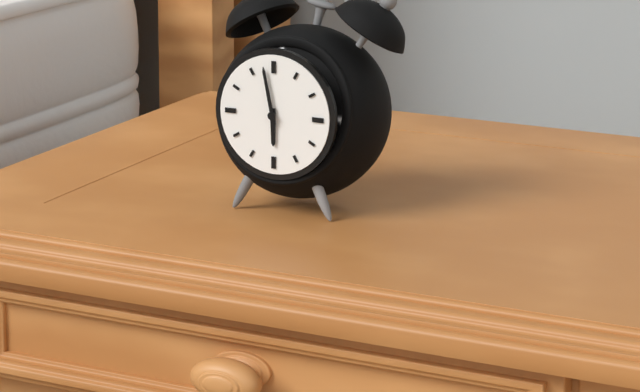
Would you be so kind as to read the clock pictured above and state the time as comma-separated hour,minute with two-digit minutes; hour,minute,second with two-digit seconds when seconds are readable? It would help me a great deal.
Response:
5,58
